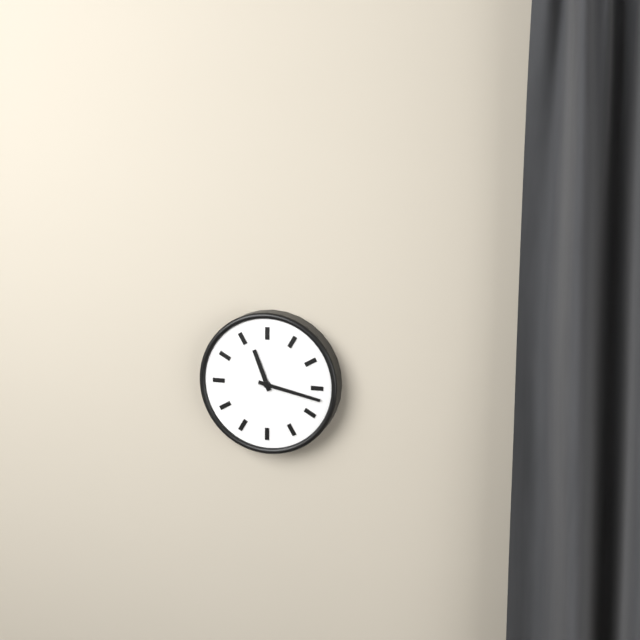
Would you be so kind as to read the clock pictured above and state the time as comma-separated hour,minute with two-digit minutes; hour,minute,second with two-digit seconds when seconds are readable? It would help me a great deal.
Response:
11,17
